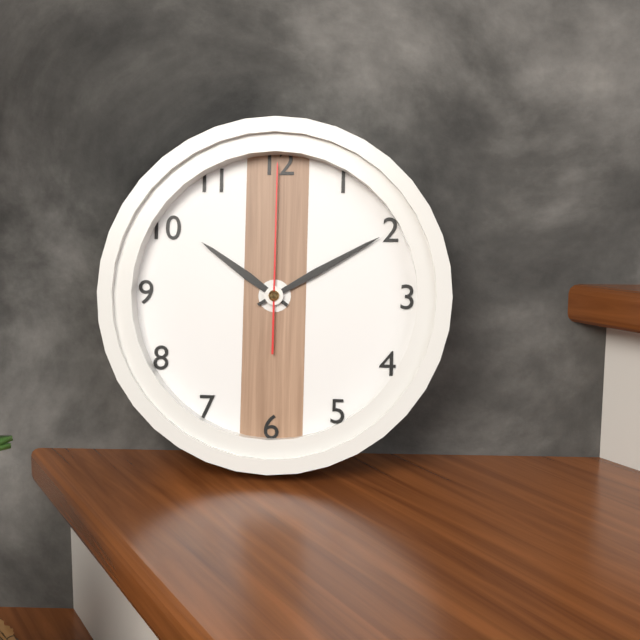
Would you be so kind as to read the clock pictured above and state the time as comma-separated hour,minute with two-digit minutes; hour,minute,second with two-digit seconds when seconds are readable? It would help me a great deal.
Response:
10,10,00
